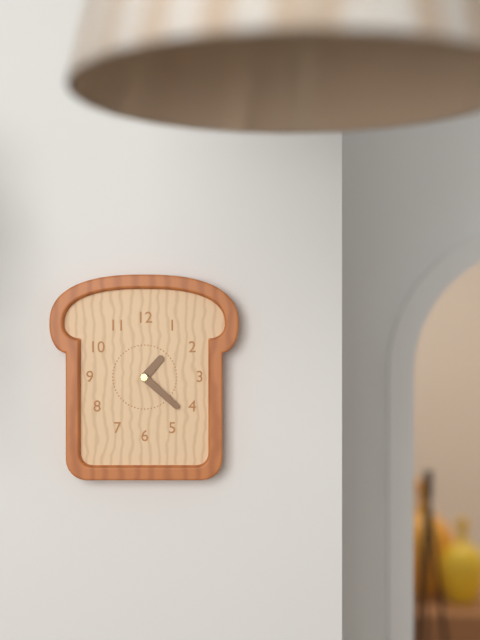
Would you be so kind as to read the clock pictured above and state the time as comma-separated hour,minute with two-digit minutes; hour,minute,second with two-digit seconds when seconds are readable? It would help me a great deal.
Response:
1,22
